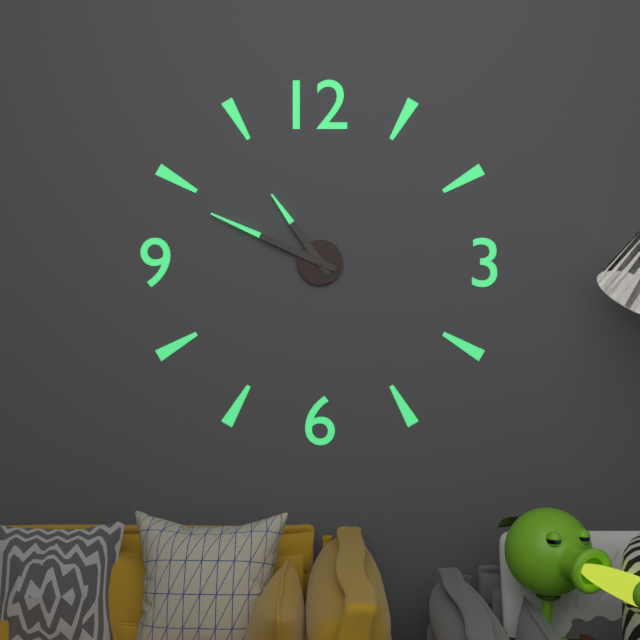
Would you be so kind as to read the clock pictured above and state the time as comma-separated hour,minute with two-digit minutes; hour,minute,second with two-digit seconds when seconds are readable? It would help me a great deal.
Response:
10,49
